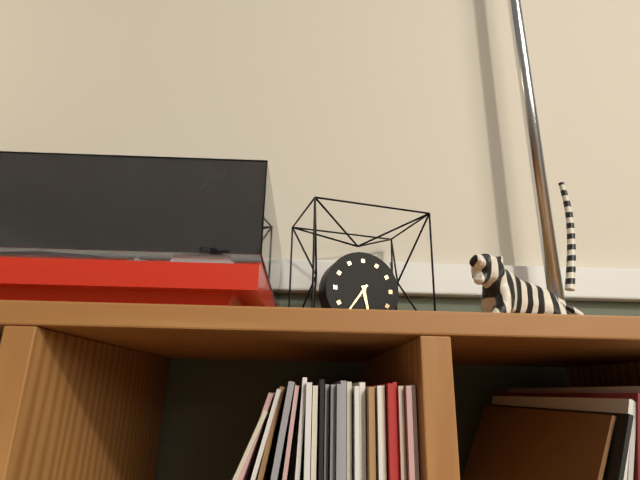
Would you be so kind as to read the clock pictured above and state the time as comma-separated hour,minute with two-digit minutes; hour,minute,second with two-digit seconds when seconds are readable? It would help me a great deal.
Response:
5,36
